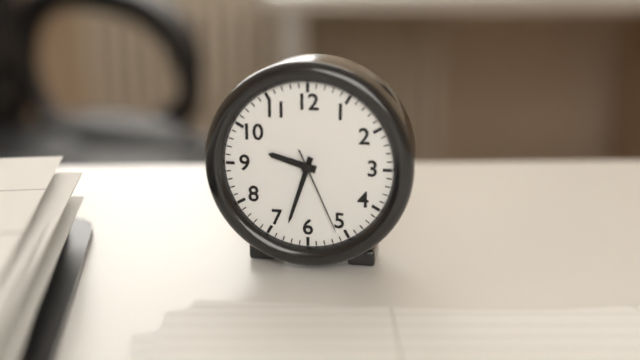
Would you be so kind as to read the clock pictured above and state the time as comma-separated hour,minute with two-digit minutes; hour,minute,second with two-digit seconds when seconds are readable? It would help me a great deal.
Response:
9,33,26
